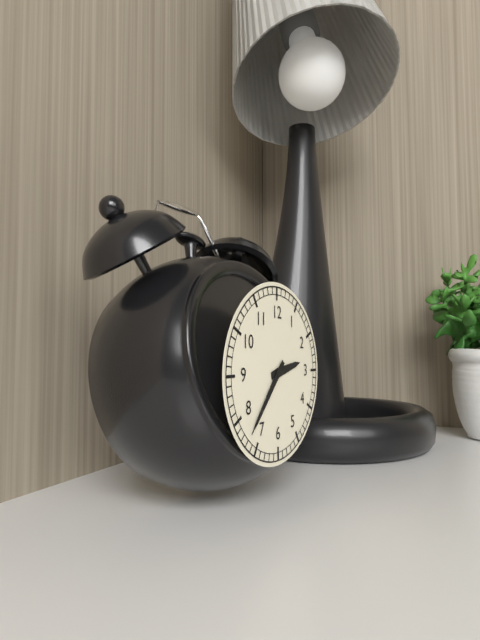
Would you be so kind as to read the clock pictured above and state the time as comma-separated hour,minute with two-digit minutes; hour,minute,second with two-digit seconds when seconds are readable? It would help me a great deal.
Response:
2,37
